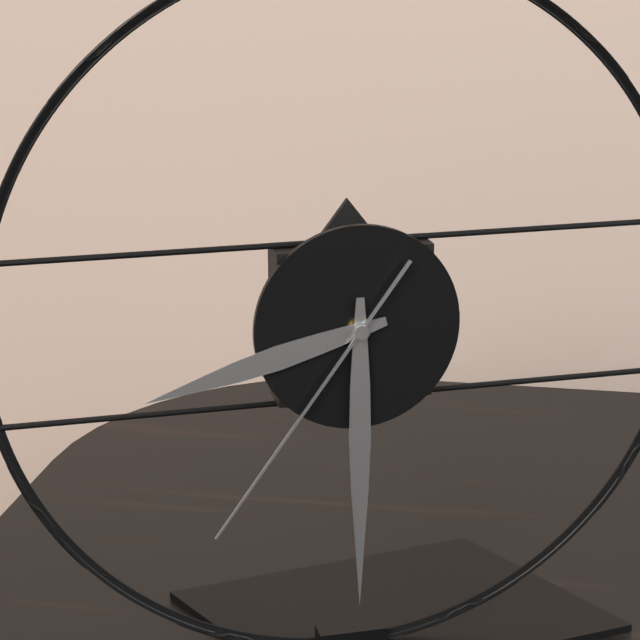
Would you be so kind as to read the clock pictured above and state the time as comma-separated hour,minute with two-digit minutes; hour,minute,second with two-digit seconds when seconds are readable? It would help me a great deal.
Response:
8,30,36
